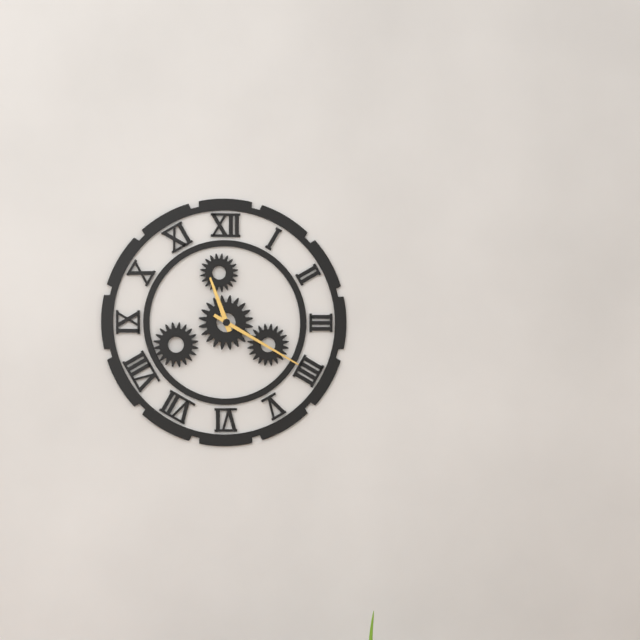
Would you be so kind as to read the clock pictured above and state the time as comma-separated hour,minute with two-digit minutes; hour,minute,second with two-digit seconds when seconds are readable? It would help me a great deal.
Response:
11,20
